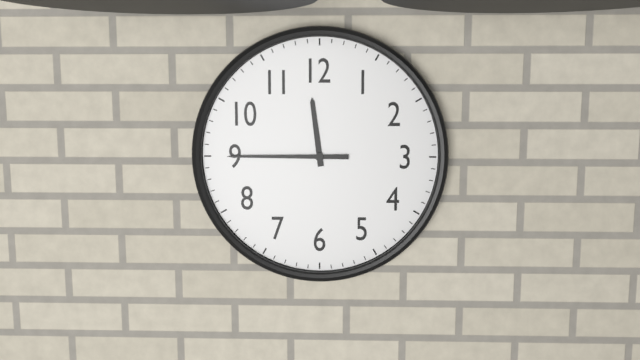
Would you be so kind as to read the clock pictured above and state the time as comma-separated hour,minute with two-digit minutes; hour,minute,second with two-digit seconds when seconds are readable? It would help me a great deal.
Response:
11,45
